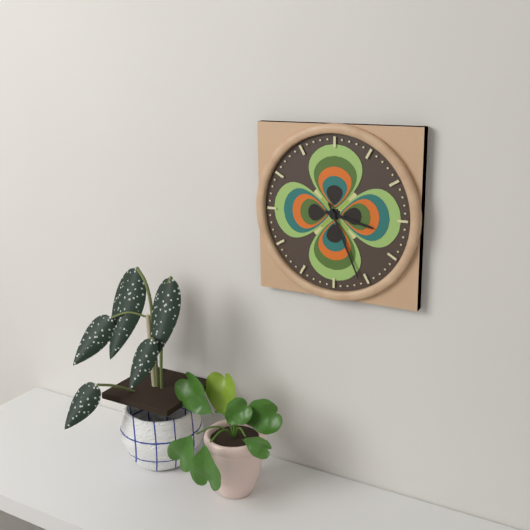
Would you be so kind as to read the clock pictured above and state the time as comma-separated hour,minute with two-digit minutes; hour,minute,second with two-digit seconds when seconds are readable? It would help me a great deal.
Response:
3,26
